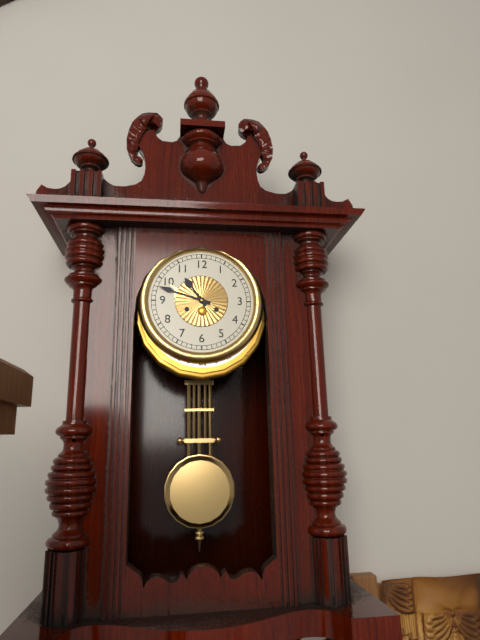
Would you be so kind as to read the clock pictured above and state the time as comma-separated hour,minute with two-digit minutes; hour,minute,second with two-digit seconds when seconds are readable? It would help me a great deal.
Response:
10,48
